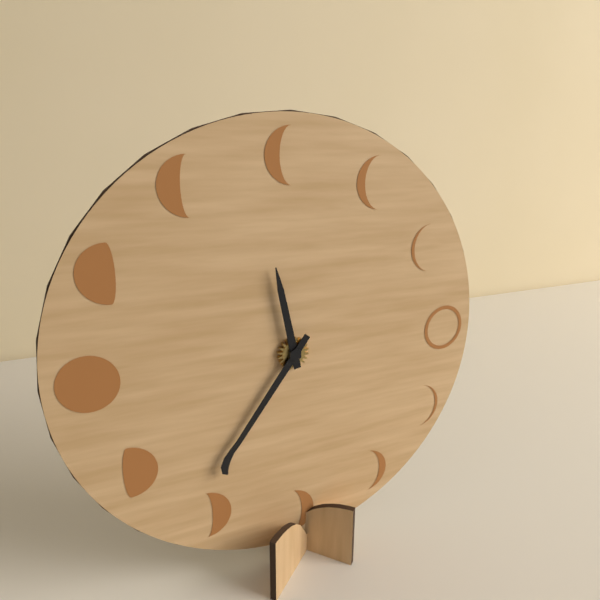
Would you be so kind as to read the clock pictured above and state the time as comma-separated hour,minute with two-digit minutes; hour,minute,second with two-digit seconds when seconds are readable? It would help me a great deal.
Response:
11,36
